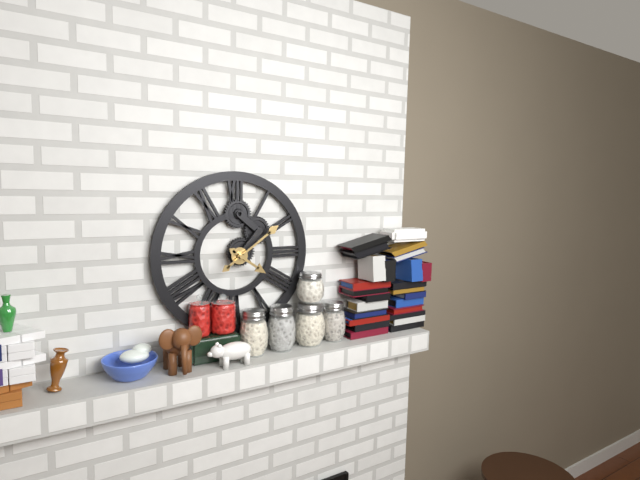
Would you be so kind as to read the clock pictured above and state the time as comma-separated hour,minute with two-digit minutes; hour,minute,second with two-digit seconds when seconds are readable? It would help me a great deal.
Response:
4,09
